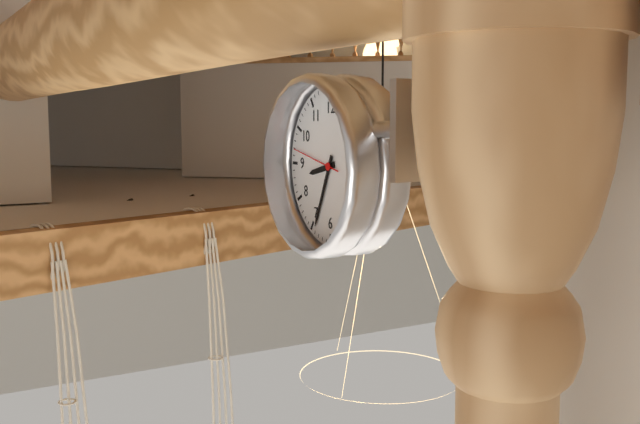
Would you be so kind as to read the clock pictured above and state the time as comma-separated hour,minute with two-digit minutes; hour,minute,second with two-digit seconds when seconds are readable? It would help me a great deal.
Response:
8,34,47
